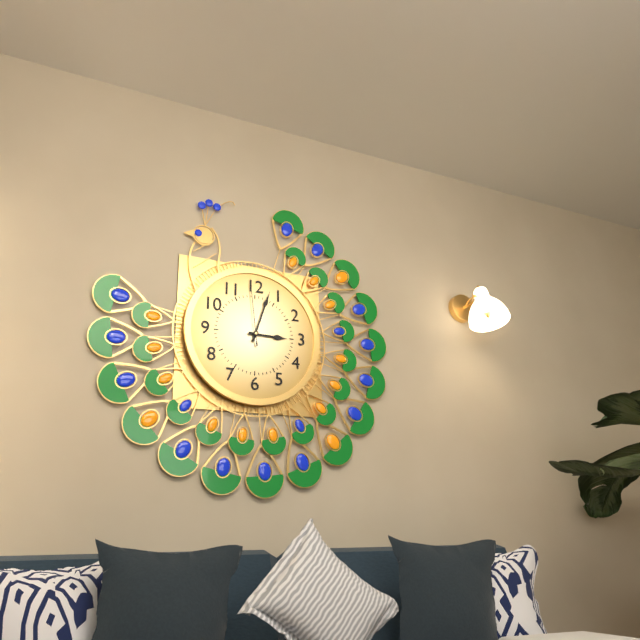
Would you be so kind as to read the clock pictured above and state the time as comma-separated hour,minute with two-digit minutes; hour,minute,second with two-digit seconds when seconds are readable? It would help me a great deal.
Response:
3,03,59
